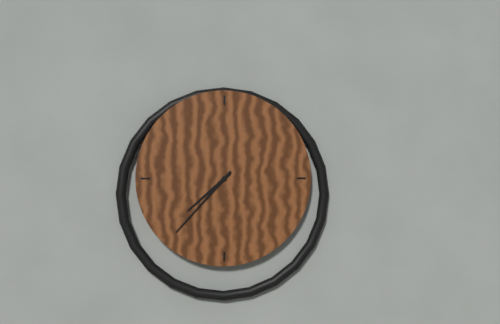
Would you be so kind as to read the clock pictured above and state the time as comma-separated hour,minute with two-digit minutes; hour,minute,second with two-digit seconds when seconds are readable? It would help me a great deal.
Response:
7,37
